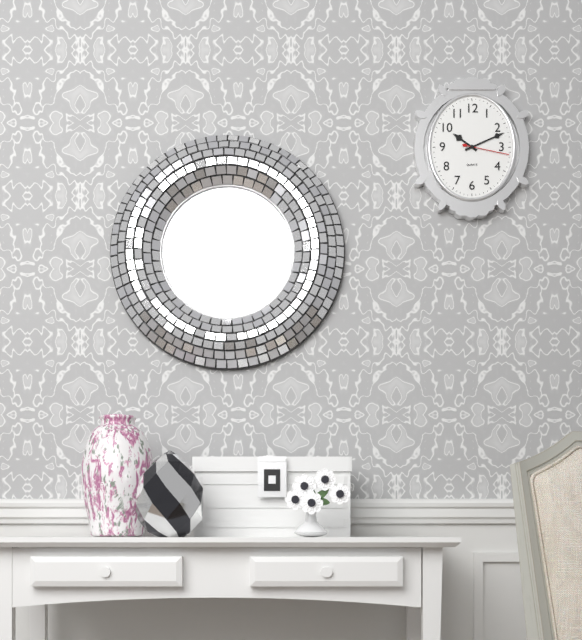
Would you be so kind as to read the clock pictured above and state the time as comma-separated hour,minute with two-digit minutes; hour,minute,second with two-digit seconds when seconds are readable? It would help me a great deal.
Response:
10,11
